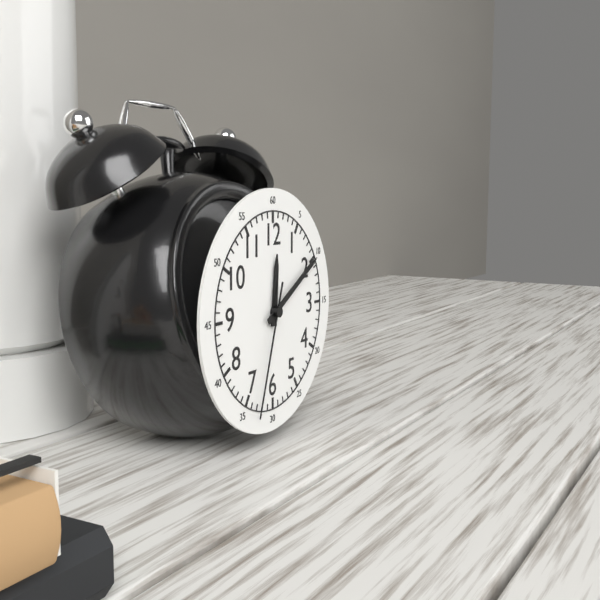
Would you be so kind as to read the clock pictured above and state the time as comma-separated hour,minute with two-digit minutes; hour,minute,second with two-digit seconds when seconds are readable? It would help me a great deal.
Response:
12,10,33
